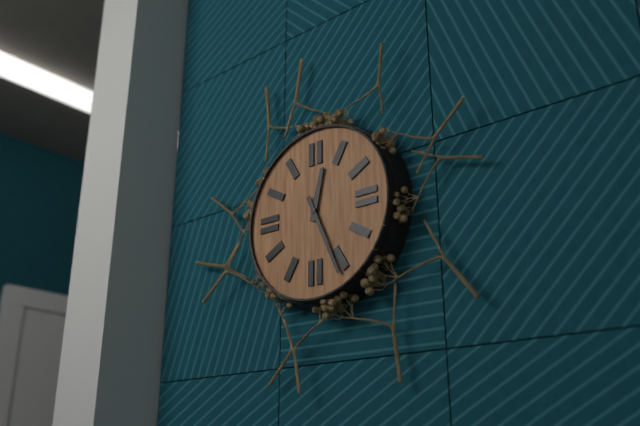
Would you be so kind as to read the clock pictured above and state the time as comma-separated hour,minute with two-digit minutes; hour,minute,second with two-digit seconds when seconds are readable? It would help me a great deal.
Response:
12,26
